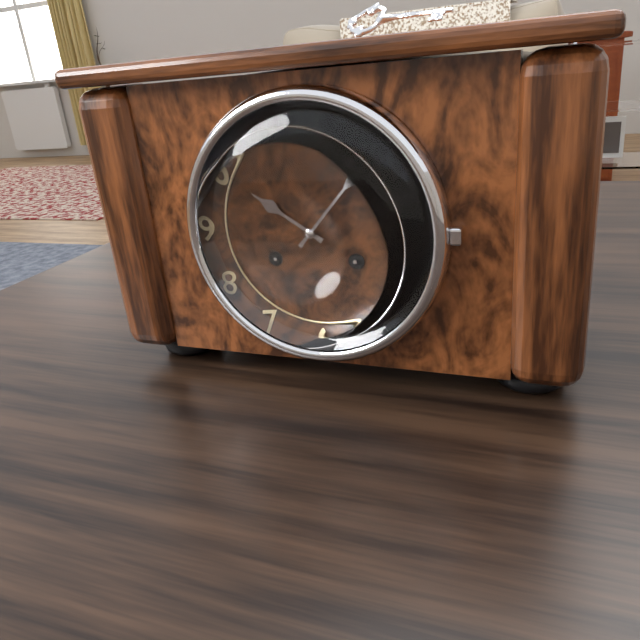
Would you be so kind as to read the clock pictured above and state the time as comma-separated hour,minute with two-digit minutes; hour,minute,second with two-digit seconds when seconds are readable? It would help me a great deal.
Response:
10,07
